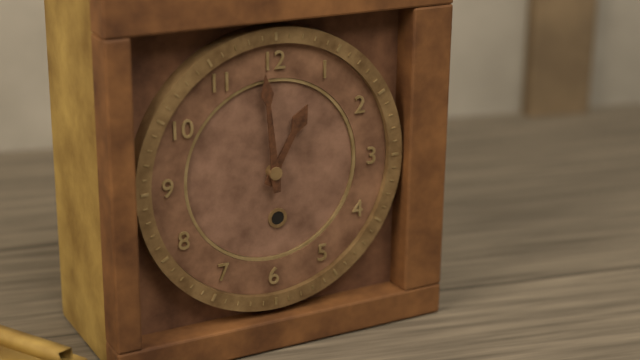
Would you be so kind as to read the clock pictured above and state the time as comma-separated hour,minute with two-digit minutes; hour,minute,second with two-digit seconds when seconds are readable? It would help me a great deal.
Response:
12,59
